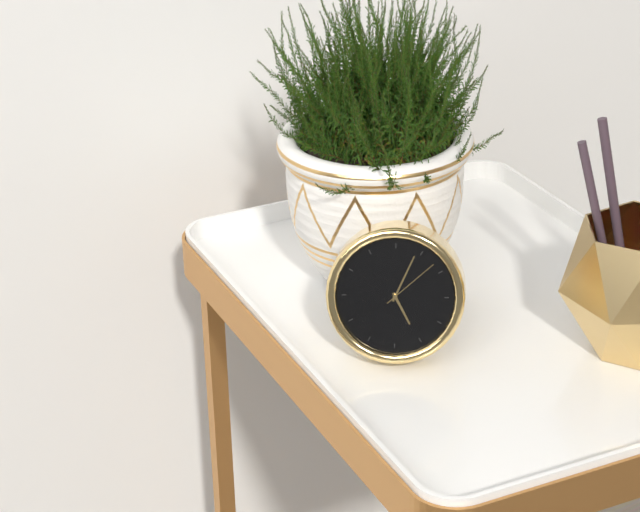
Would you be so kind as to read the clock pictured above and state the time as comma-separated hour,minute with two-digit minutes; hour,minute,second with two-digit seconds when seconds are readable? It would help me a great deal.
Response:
5,04,08
